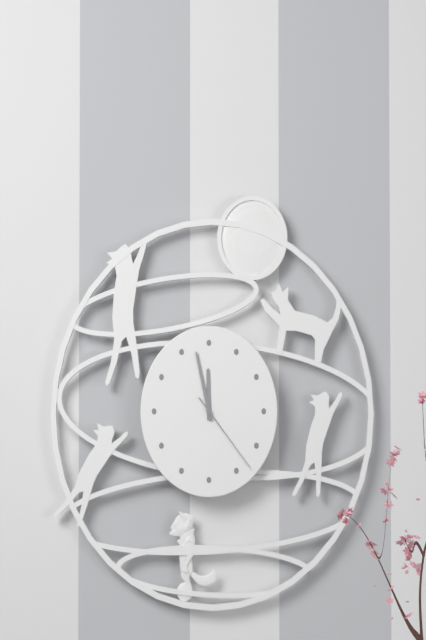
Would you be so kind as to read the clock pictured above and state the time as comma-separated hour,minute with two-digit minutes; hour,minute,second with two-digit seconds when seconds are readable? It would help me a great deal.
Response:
11,58,24
